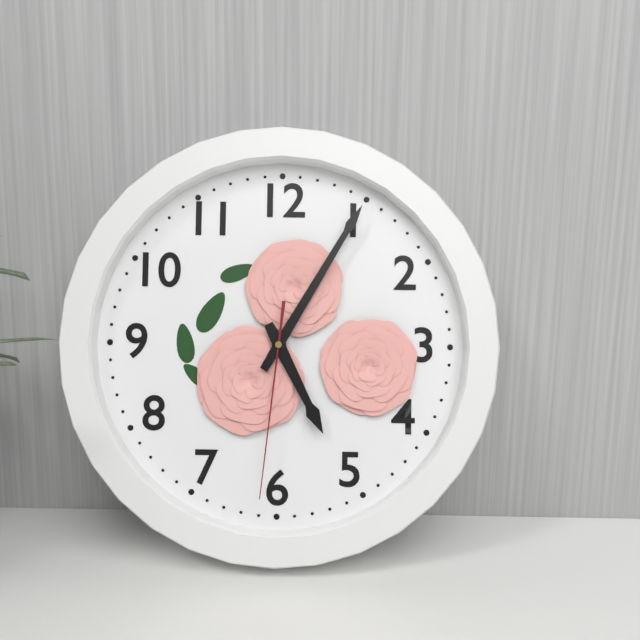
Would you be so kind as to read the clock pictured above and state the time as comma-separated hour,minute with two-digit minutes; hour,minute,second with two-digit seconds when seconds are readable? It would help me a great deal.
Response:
5,05,31
